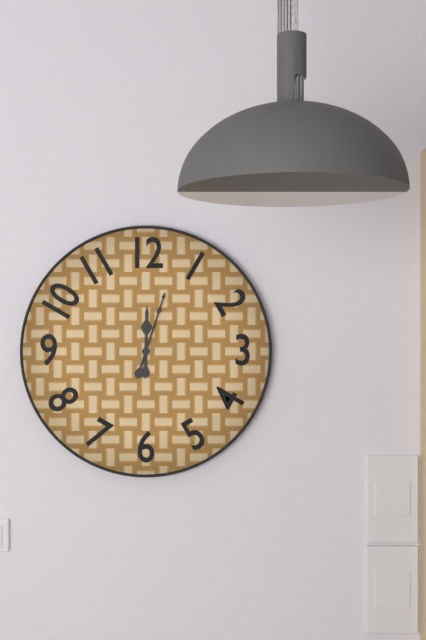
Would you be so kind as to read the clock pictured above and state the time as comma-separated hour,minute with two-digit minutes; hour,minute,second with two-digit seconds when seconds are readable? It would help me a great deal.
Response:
12,03
